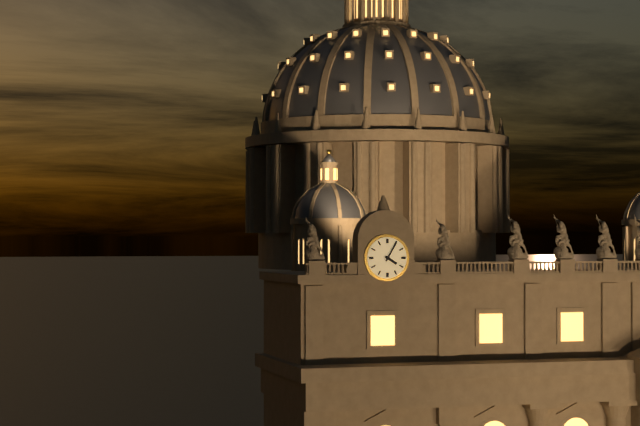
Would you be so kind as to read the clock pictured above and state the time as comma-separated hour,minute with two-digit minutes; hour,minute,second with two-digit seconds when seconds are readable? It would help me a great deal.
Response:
4,05
